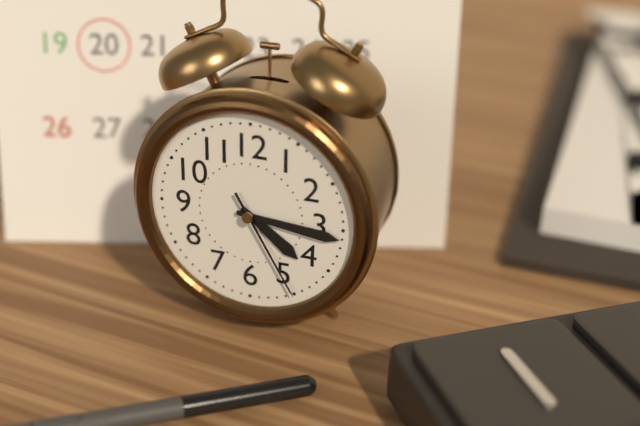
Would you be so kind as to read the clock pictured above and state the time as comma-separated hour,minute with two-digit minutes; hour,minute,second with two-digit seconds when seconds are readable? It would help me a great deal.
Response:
4,16,25
